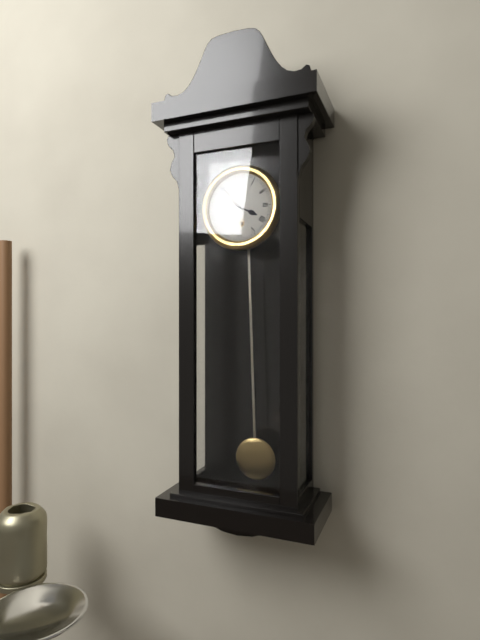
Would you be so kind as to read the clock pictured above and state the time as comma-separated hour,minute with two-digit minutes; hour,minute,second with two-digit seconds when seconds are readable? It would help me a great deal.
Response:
3,53
